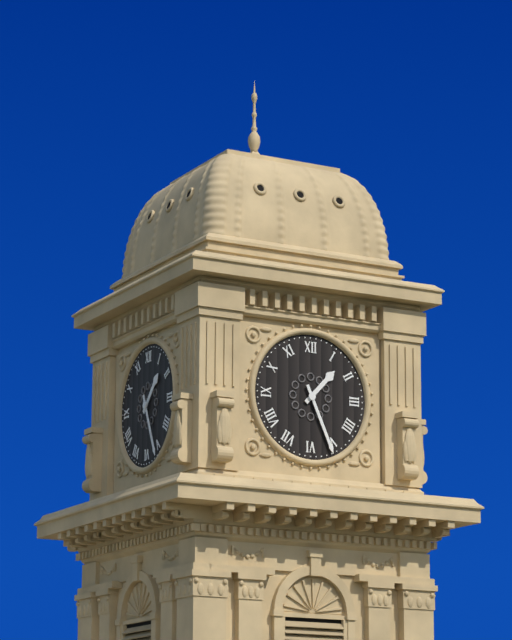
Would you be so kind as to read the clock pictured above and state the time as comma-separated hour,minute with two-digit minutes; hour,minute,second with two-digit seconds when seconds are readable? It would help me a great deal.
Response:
1,26
